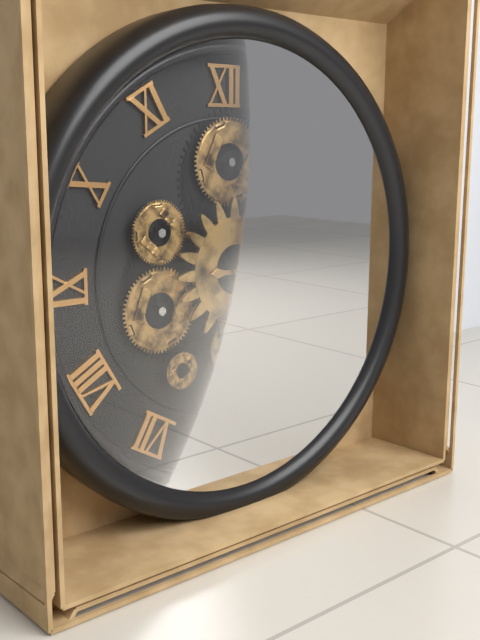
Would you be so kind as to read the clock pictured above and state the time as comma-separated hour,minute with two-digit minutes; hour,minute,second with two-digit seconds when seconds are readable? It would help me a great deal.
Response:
3,02
